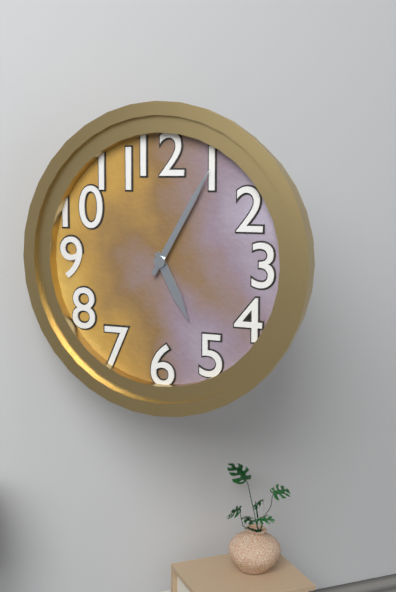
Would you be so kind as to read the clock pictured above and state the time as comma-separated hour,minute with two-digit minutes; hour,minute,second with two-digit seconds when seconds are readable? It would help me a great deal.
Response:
5,05
